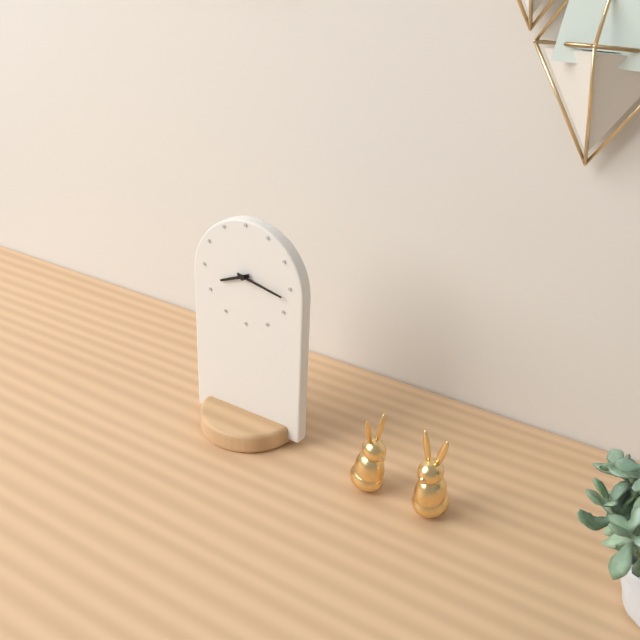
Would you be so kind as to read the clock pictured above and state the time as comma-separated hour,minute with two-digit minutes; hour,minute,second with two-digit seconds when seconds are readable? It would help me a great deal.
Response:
8,17
